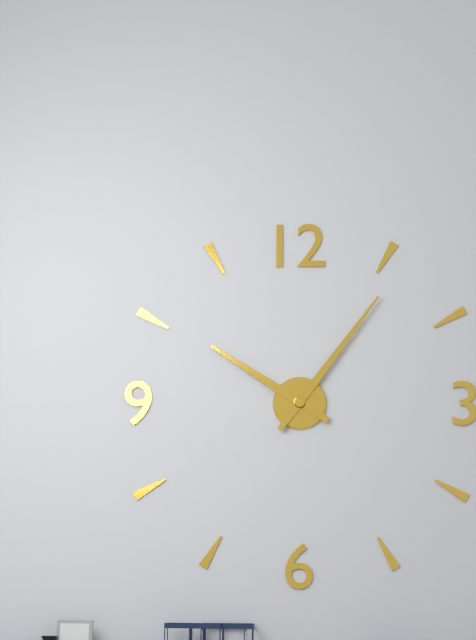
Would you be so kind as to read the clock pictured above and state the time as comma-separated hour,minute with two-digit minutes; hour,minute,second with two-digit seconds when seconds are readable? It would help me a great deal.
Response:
10,06
